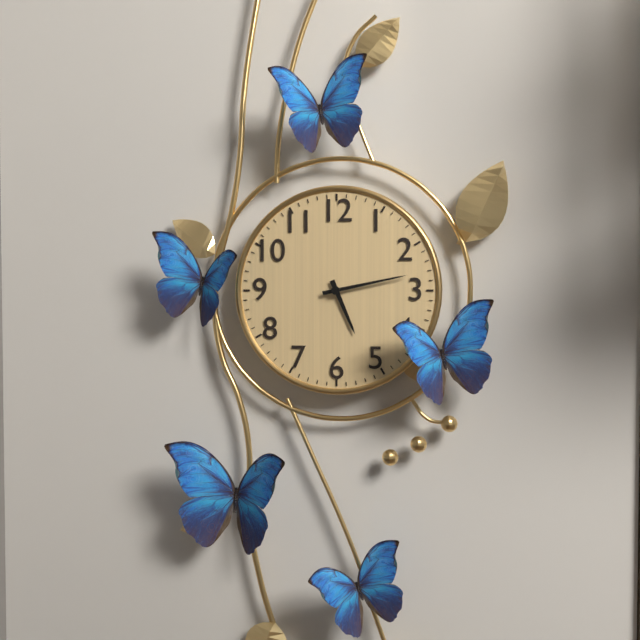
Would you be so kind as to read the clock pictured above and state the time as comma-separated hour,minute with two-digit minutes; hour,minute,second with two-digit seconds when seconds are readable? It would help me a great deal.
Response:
5,13
